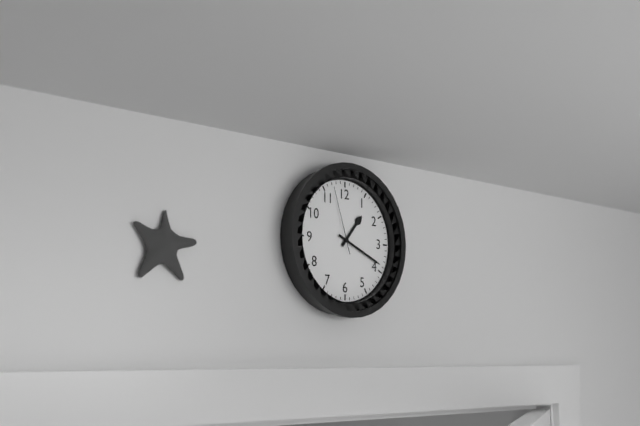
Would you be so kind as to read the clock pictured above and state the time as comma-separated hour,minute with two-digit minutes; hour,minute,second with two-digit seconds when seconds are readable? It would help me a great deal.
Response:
1,19,57
